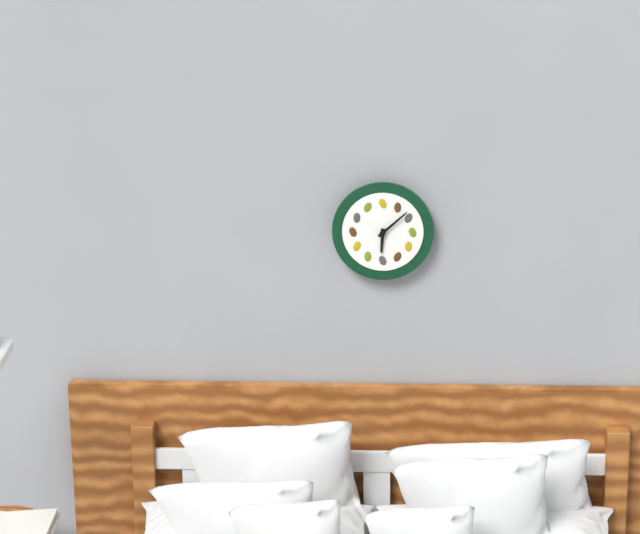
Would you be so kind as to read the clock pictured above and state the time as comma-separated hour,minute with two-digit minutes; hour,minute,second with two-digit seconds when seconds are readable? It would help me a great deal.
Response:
6,08
